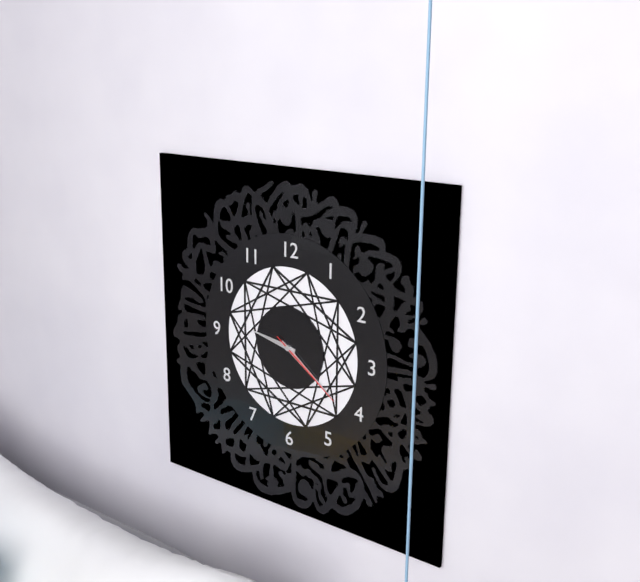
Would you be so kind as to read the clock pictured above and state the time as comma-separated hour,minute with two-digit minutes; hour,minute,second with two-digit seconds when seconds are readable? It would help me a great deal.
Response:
9,21,21
